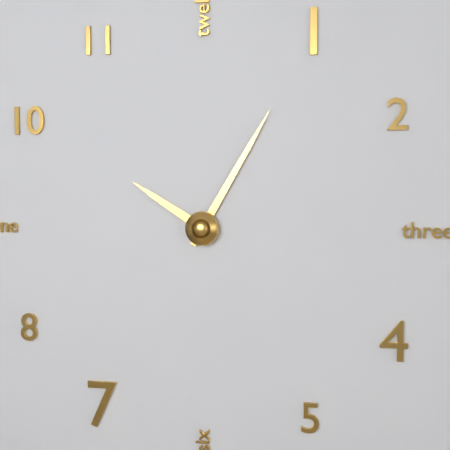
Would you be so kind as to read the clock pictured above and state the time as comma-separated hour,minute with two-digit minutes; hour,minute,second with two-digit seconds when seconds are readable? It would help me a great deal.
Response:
10,05
